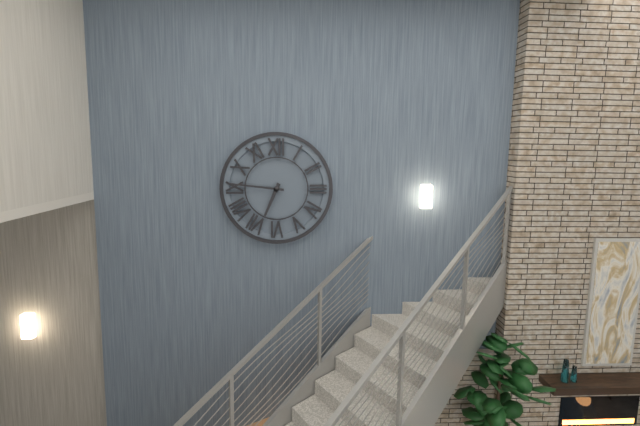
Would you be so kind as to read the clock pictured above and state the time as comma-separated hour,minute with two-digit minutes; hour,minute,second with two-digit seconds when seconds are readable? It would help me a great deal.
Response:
6,46
